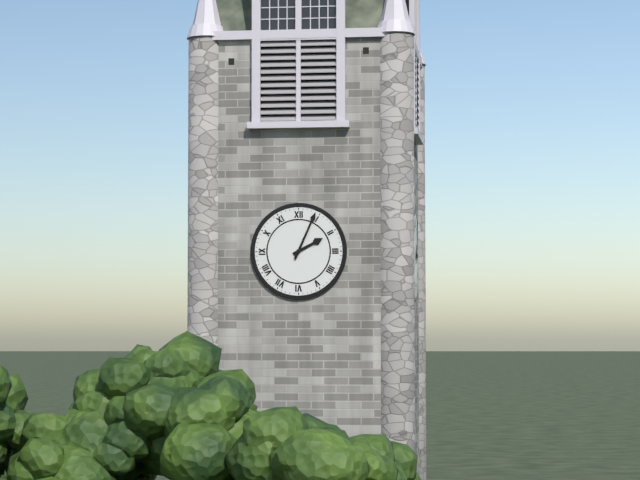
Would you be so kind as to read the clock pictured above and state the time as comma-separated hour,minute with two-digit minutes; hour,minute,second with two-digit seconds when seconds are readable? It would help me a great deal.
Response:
2,04
